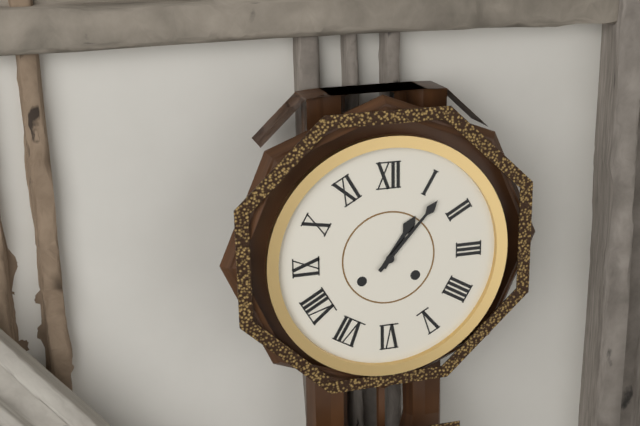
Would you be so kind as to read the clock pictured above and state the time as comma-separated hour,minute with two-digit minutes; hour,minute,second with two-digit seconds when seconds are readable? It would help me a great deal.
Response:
1,07
